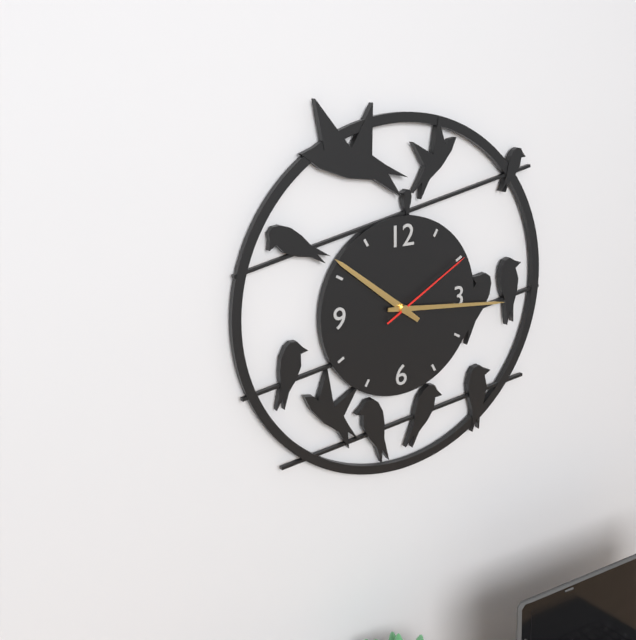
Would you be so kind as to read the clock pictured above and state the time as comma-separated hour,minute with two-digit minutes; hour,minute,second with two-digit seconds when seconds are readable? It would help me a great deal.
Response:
10,16,10
